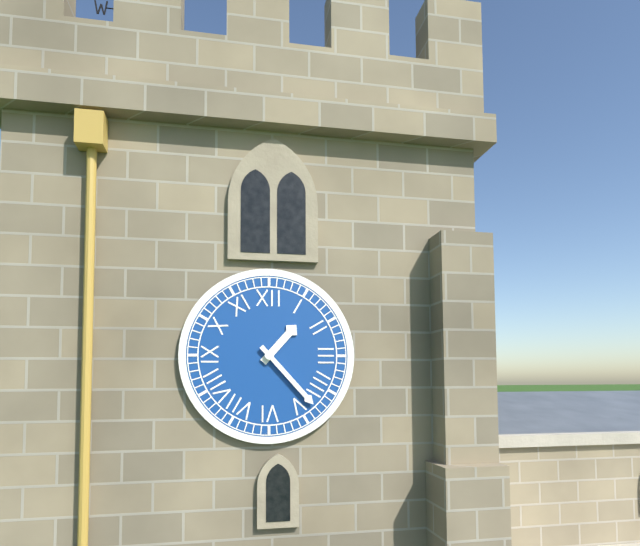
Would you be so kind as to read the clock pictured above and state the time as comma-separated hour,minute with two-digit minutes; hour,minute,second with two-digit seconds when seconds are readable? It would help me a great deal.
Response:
1,23
